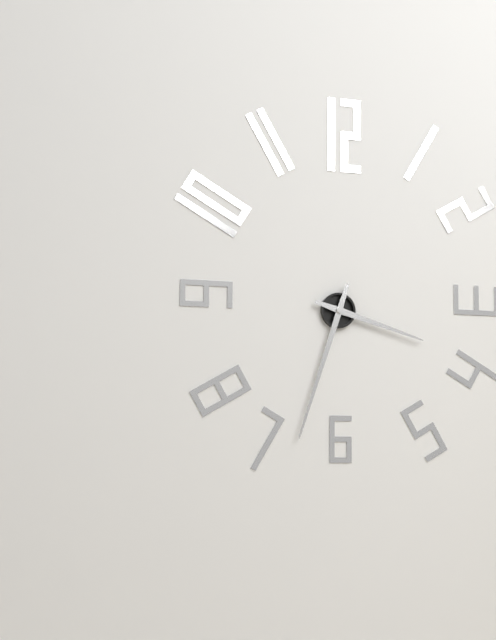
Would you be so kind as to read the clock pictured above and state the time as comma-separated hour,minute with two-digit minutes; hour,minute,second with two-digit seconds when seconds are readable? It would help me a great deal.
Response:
3,33
